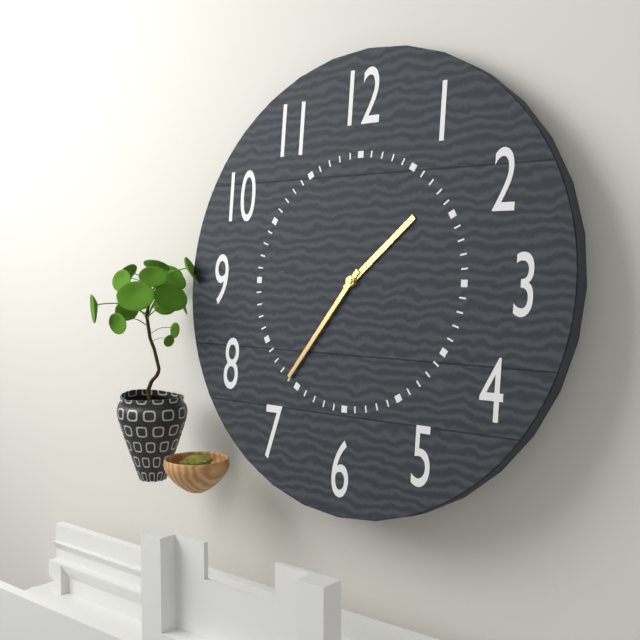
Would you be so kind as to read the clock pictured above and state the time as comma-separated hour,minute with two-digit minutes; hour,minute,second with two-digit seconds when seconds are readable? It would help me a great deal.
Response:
1,36
